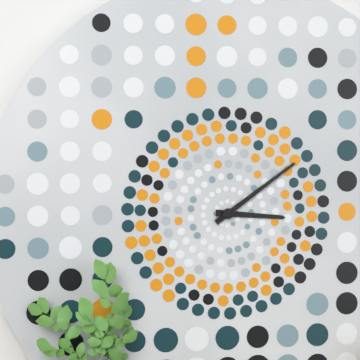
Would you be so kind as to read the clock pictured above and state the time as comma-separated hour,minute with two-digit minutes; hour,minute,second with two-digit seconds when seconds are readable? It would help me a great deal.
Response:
3,09
